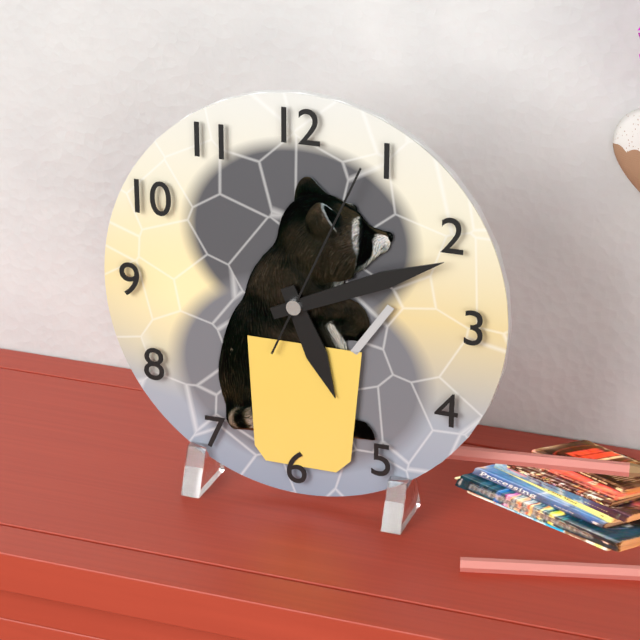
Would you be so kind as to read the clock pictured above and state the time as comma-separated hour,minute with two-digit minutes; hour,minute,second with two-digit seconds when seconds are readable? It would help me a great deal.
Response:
5,11,04
